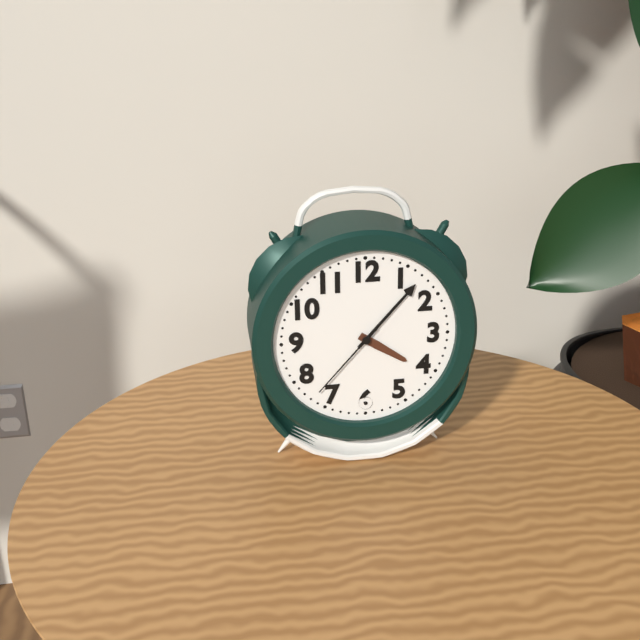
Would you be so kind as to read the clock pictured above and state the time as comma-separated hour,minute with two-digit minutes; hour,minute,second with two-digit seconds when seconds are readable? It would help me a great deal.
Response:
4,07,37
